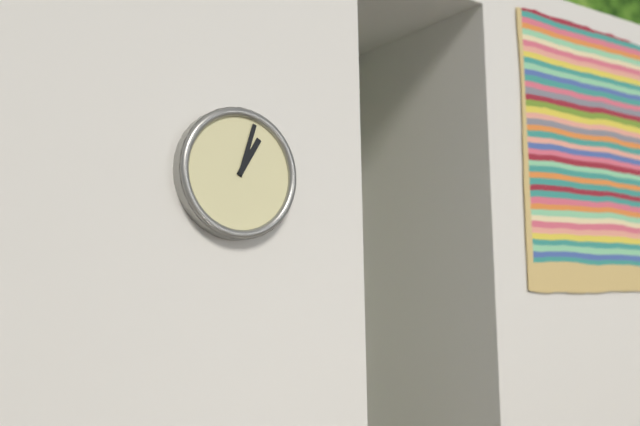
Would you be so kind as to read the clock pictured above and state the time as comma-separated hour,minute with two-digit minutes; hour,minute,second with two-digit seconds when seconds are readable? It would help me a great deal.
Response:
1,03
